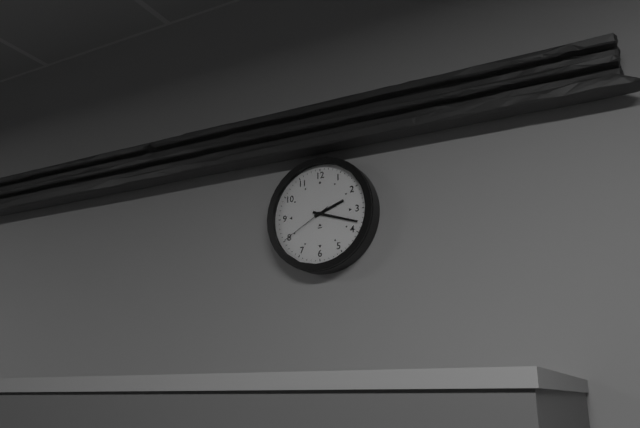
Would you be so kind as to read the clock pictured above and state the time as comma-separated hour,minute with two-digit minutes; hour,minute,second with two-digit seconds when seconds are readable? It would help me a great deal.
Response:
2,18,40
